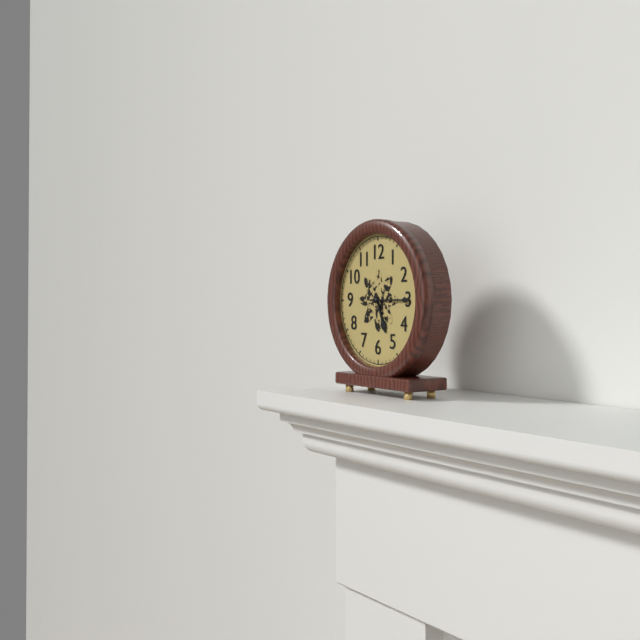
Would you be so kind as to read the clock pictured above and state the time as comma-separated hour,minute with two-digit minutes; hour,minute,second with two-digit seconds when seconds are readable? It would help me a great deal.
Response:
5,15
